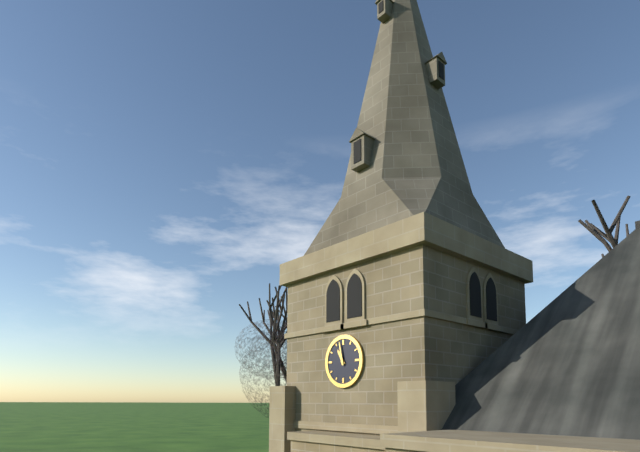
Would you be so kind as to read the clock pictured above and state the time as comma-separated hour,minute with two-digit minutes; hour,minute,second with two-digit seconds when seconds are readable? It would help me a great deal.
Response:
10,58
